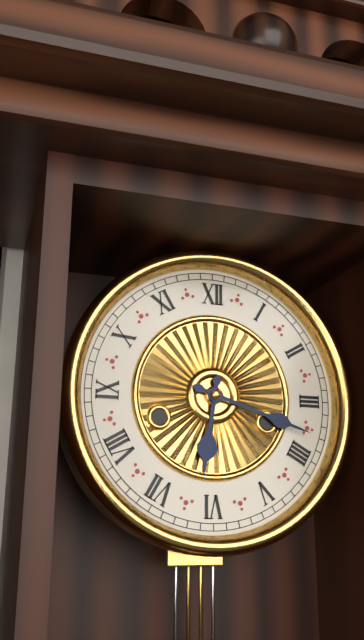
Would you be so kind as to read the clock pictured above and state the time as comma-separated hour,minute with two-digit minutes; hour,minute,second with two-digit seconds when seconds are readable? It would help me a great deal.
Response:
6,18
